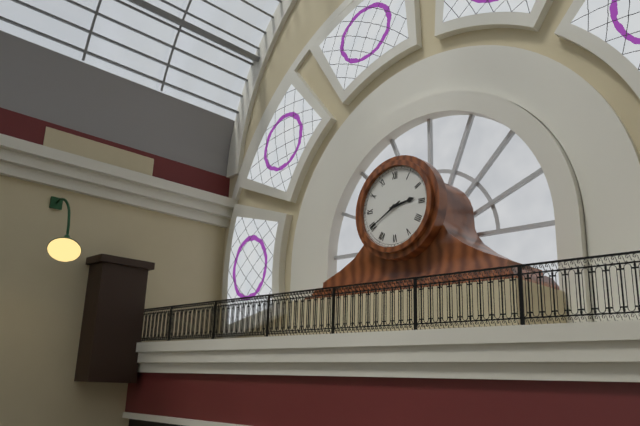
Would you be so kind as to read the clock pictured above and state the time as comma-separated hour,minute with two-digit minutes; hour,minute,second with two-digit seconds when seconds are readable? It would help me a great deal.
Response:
2,40
